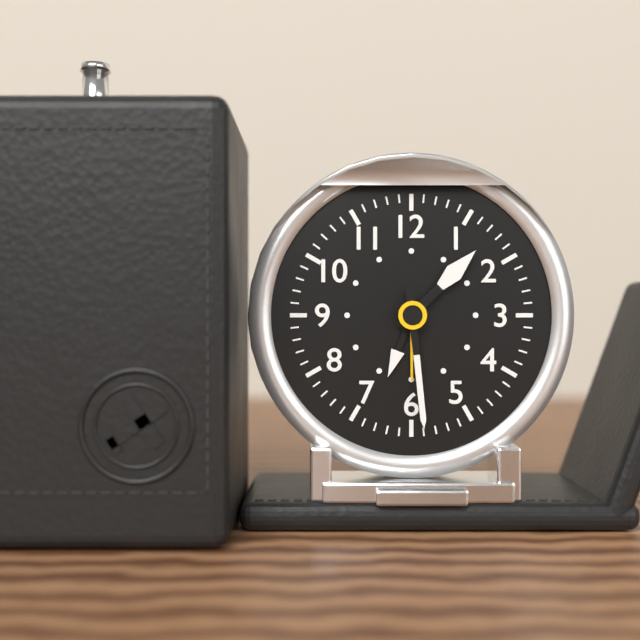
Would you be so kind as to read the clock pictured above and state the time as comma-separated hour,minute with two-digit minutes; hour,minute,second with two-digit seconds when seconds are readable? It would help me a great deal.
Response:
1,29
